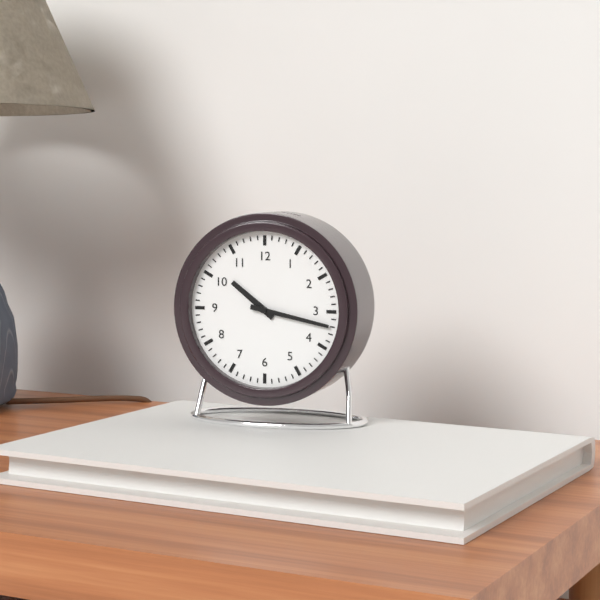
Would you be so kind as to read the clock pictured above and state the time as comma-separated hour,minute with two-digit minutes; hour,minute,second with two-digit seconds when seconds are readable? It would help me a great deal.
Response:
10,17
